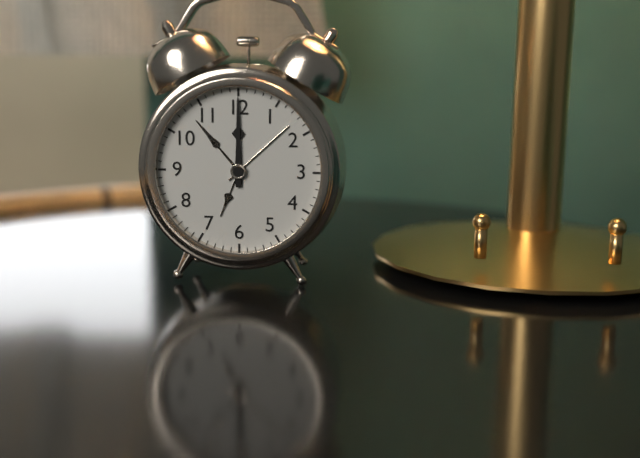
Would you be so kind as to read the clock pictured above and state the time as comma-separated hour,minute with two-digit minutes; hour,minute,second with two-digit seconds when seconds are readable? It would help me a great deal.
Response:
12,00
